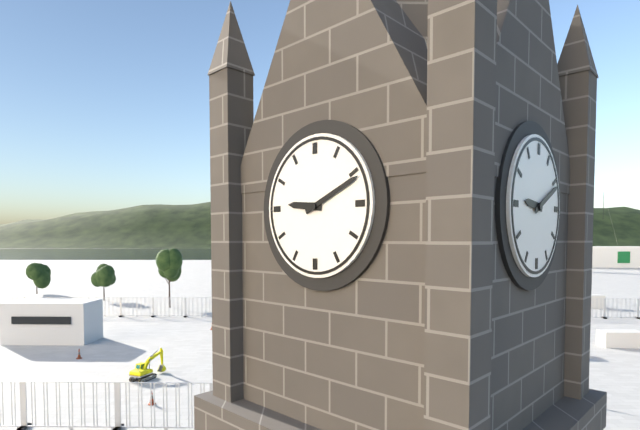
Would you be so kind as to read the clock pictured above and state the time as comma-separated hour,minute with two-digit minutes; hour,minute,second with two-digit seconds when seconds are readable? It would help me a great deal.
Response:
9,11
